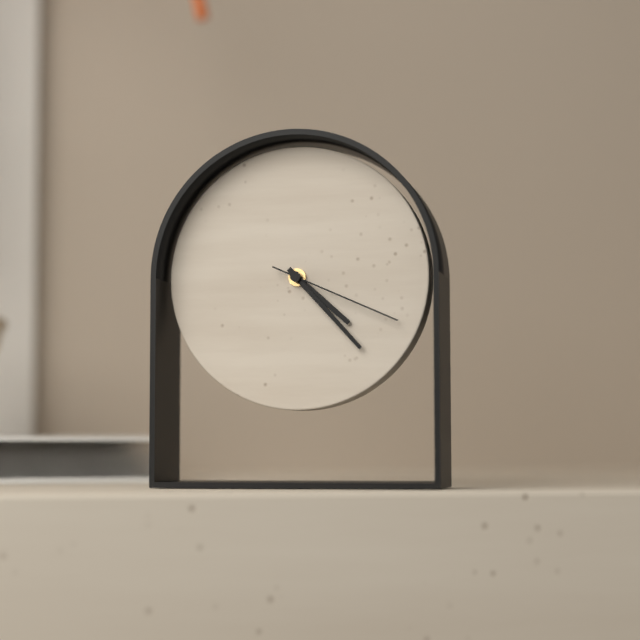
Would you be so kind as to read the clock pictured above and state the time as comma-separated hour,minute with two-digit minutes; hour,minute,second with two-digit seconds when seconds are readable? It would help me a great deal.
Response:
4,23,19
